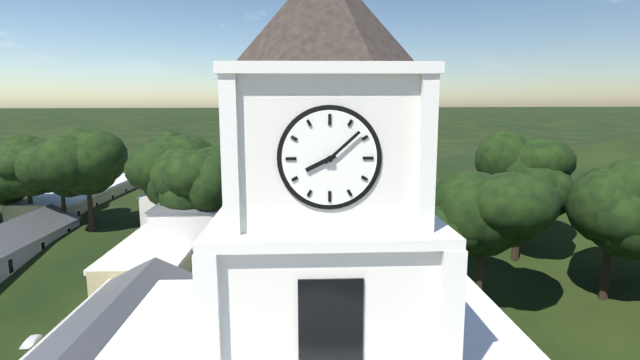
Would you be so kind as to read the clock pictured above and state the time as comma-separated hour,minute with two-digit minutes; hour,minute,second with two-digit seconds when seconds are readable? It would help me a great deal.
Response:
8,08
